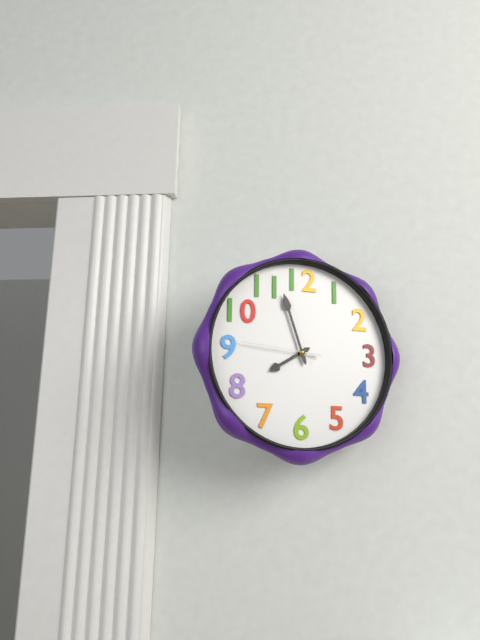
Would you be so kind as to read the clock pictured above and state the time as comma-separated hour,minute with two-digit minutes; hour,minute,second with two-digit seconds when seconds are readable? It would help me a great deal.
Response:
7,57,46
